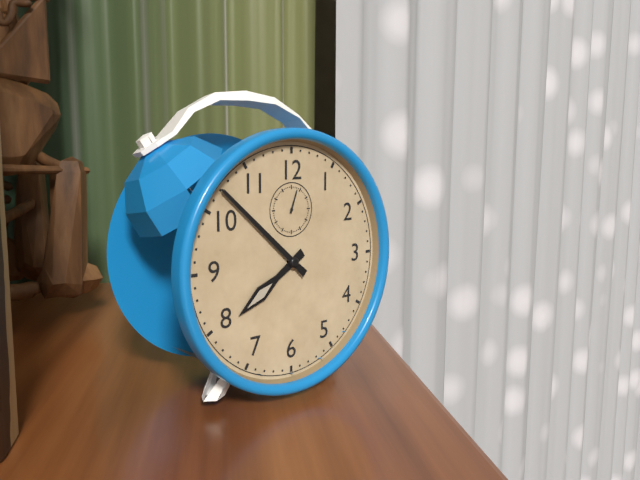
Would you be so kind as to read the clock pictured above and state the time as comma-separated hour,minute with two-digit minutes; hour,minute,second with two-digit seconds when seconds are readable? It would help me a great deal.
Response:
7,52
